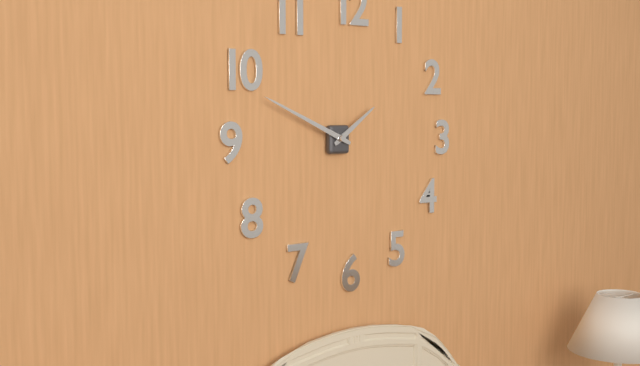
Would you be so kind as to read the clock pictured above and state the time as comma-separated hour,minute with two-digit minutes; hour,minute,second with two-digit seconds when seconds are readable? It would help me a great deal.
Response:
1,49
